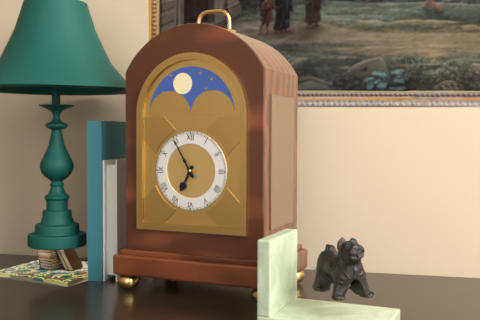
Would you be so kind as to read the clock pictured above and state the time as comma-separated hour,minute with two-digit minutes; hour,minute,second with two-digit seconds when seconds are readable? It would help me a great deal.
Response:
6,55
